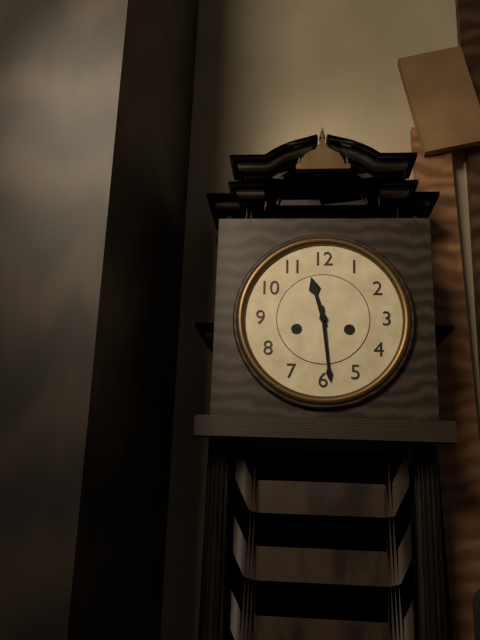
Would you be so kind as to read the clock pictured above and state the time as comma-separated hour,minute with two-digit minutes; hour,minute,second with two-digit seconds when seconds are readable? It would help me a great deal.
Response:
11,29
